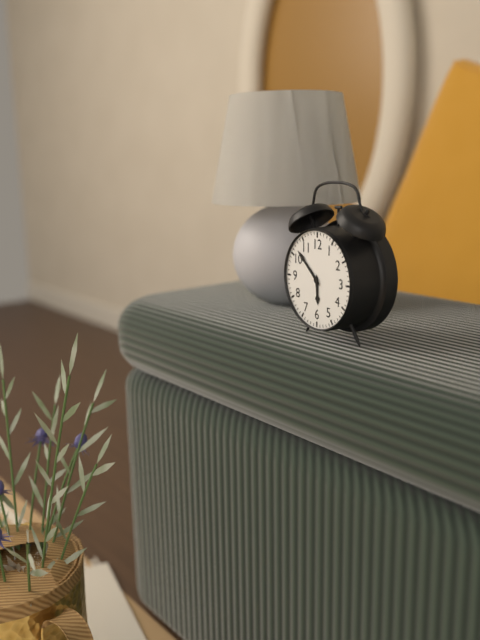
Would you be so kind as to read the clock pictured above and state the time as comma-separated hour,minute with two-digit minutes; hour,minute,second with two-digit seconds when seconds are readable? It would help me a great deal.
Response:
5,52
